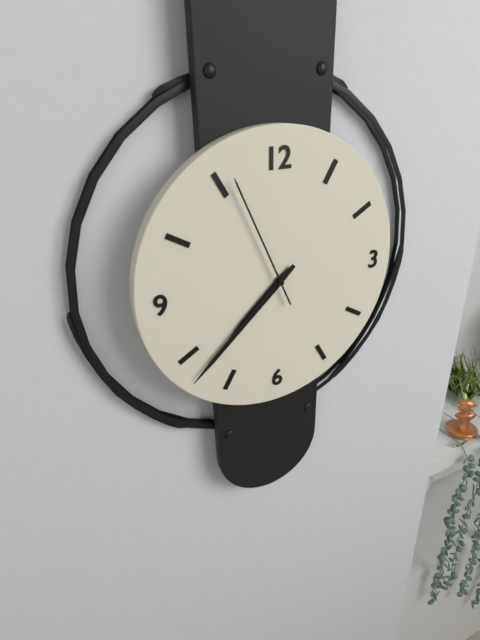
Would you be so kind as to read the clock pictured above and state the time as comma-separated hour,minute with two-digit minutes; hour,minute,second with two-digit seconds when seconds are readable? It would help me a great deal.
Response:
7,38,56
